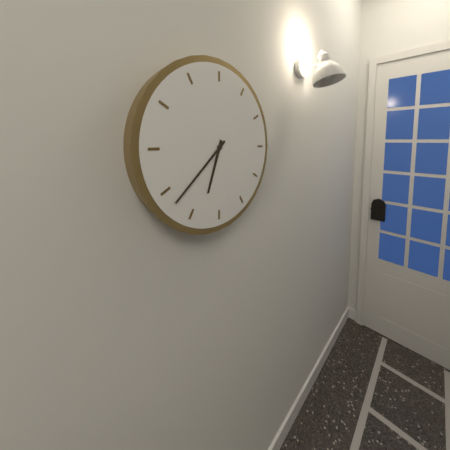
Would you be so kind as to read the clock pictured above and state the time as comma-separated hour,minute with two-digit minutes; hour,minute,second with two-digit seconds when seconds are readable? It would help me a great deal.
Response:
6,38
